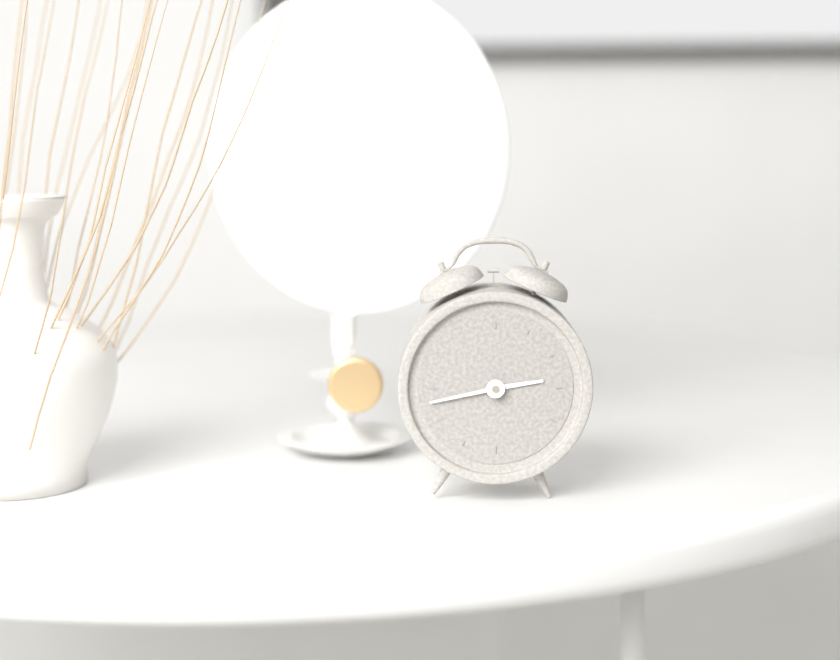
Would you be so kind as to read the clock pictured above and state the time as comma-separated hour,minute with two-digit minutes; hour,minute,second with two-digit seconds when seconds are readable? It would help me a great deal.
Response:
2,43
